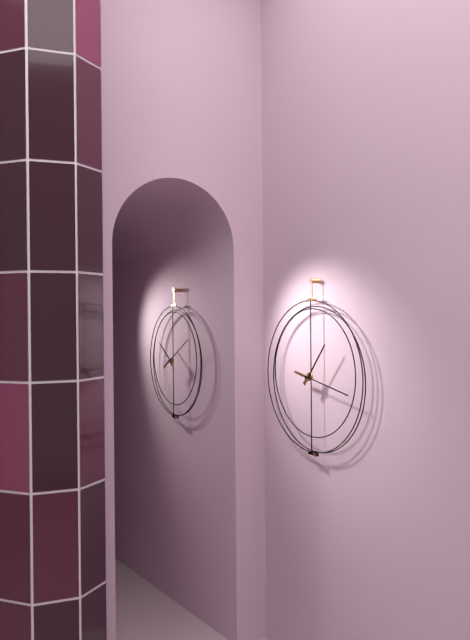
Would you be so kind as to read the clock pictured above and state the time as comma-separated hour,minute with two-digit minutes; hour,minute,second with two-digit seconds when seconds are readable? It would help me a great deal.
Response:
1,17
